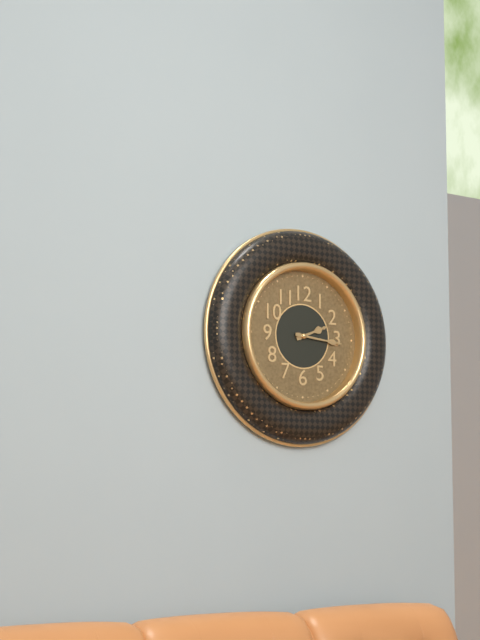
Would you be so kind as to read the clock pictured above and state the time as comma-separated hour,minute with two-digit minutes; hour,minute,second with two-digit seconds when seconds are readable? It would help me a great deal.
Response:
2,16
